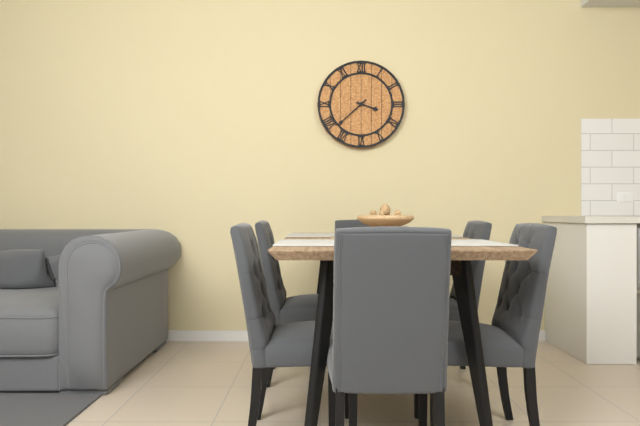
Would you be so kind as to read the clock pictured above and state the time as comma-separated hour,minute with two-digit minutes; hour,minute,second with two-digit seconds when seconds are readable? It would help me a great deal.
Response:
3,38
